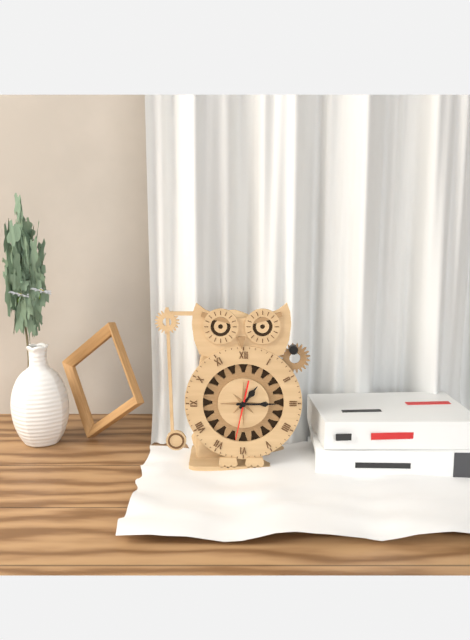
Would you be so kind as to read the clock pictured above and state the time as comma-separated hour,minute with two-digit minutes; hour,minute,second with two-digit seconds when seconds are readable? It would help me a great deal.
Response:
1,15,32
